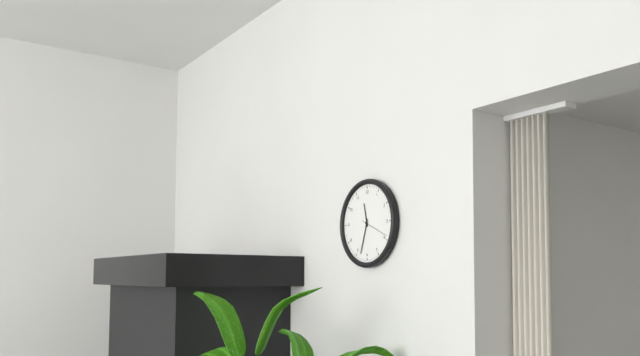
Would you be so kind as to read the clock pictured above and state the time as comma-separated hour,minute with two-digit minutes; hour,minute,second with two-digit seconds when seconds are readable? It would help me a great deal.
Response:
11,33
